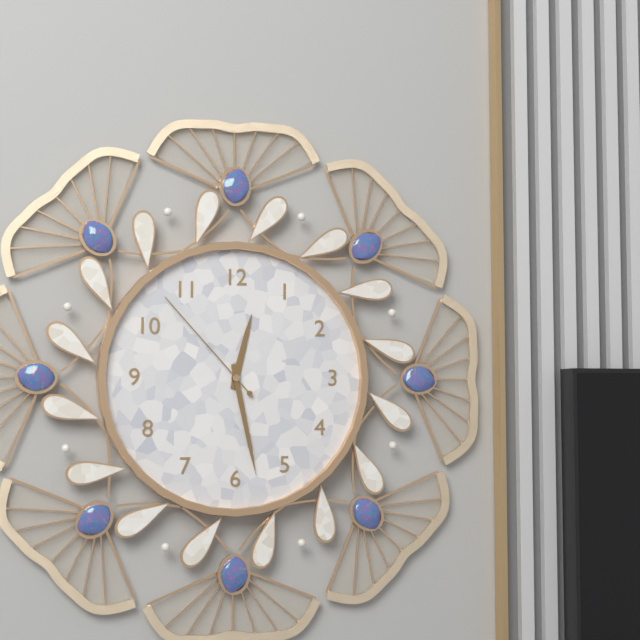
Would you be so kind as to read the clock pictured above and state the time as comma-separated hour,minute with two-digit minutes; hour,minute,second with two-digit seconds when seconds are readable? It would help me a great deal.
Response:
12,28,53
